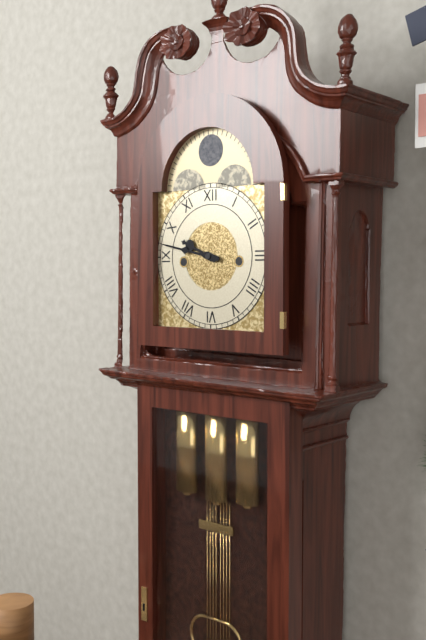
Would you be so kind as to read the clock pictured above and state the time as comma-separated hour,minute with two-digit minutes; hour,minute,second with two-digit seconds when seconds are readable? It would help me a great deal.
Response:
9,47
